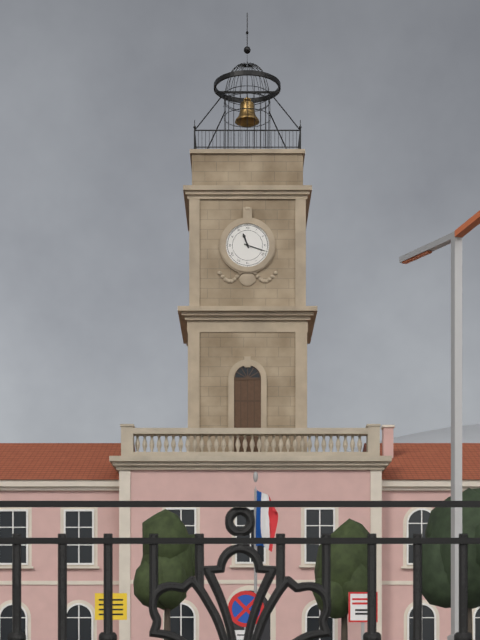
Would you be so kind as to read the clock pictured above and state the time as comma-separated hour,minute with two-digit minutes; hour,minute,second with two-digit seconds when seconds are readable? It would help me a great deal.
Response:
11,18
